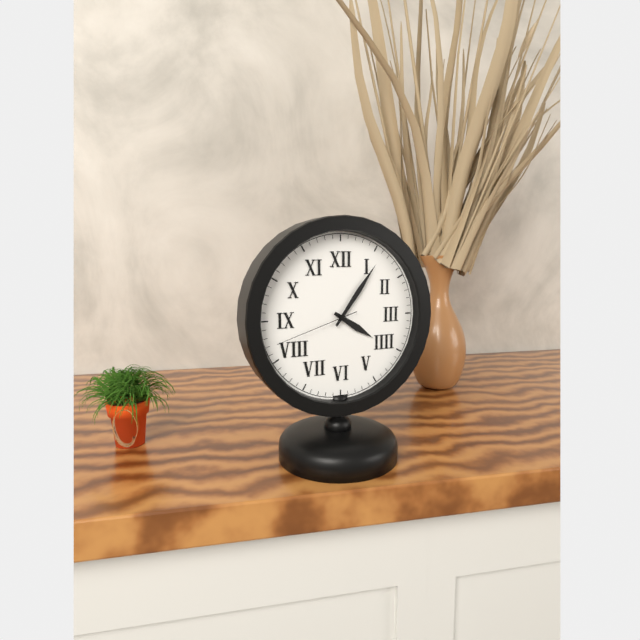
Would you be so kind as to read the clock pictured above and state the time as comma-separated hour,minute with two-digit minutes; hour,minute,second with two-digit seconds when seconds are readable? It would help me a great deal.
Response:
4,06,42
